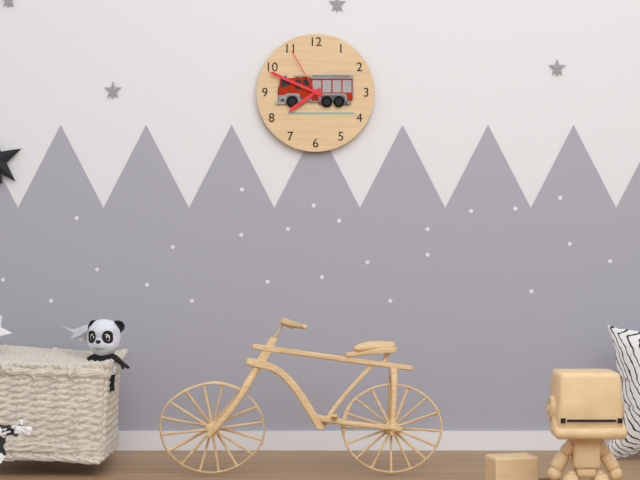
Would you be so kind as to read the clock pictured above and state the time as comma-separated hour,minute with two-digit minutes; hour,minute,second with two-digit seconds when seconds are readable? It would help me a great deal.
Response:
7,49,55
